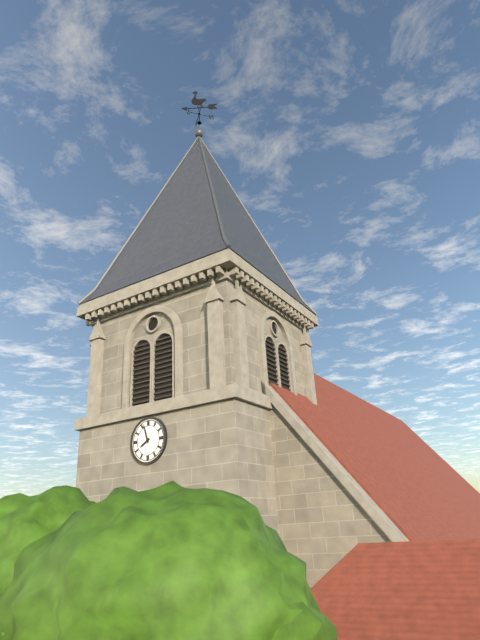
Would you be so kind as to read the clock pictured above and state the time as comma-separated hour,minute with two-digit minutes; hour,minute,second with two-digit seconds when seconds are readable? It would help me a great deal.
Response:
7,57
